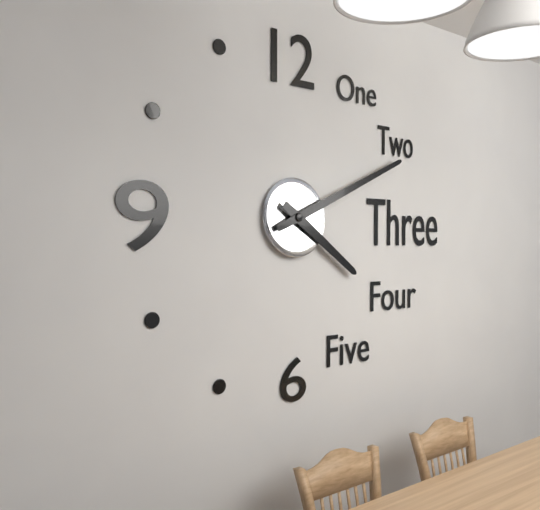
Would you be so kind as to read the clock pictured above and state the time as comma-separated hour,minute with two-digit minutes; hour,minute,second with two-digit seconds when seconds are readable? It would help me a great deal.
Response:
4,11
